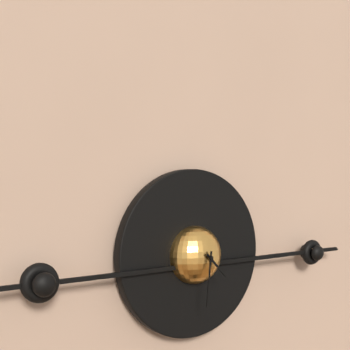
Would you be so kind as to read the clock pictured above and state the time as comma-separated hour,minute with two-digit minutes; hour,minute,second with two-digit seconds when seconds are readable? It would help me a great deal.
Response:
4,31
